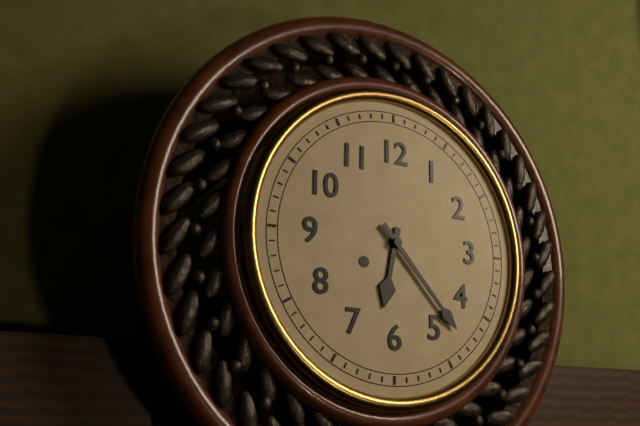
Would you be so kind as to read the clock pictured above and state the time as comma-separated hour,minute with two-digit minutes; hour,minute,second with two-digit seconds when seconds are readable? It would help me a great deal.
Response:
6,23
